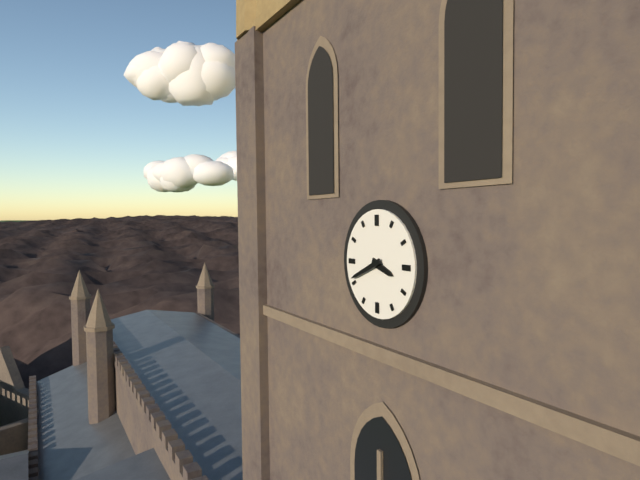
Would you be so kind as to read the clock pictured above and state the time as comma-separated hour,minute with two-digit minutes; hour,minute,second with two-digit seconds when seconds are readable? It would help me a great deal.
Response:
3,41
